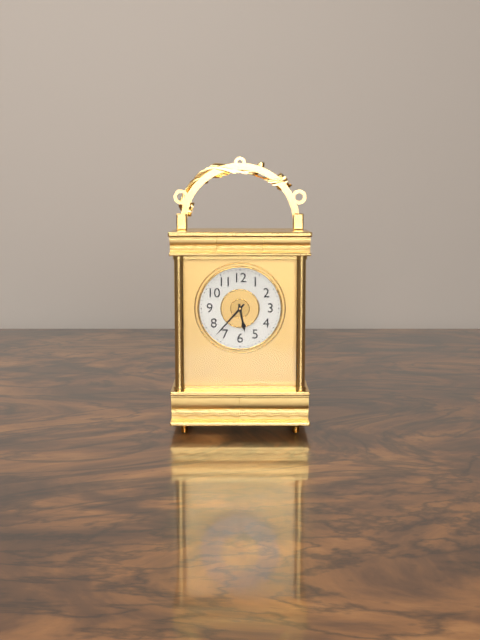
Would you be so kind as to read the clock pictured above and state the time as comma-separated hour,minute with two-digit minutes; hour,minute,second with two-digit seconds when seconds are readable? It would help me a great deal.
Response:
5,37
